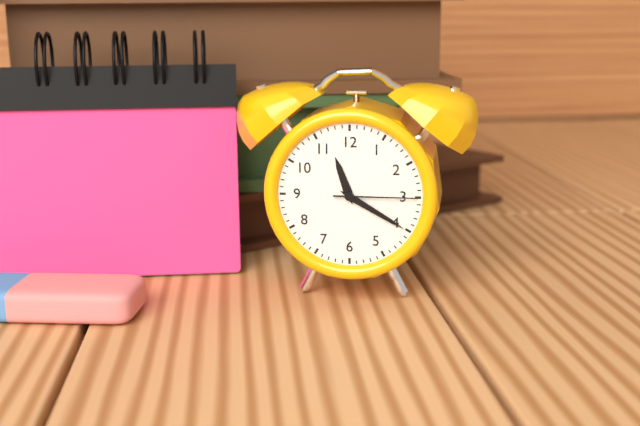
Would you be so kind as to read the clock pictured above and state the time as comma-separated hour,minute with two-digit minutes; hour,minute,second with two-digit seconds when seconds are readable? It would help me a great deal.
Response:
11,20,15
